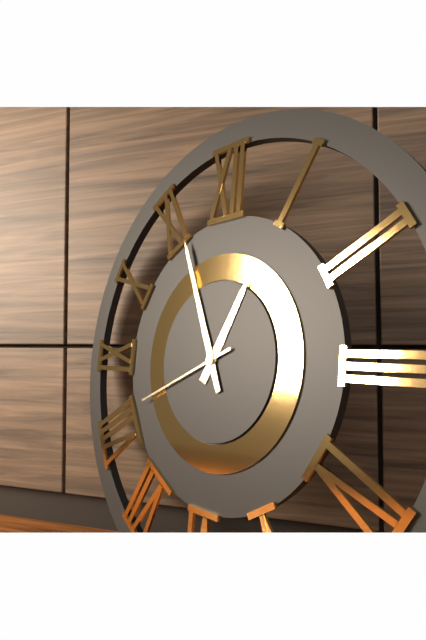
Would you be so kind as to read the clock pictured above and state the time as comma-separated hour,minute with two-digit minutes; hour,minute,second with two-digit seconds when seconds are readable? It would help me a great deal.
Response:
12,56,41
